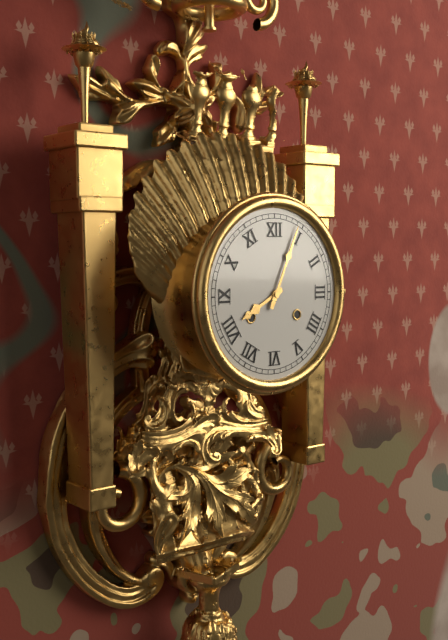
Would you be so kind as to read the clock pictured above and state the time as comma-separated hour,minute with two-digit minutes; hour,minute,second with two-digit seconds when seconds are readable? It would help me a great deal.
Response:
8,04
